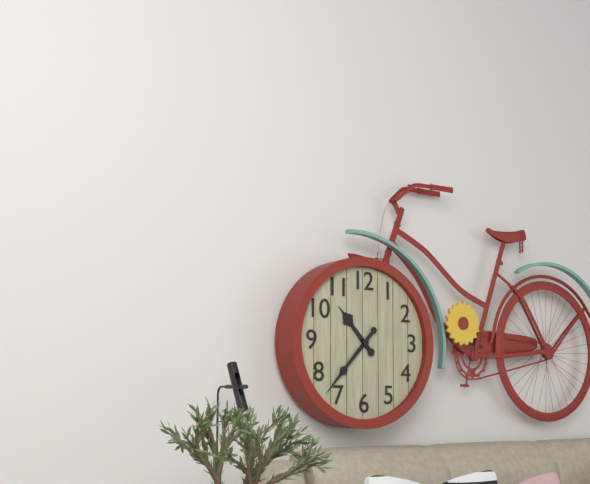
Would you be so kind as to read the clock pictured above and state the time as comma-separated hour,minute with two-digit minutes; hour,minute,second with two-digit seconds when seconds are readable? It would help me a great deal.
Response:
10,37
